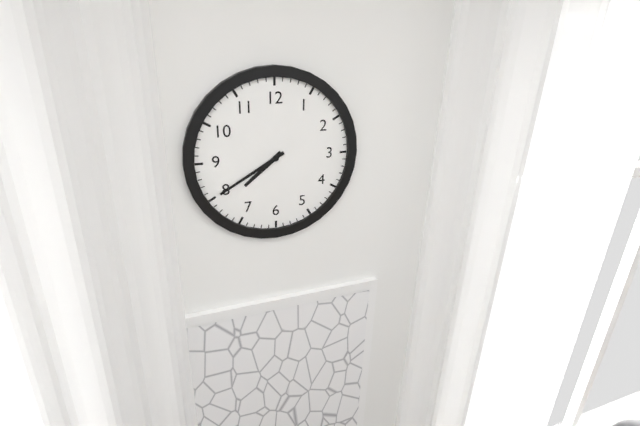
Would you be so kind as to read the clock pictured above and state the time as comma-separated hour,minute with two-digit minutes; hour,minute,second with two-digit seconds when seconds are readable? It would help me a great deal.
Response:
7,40
